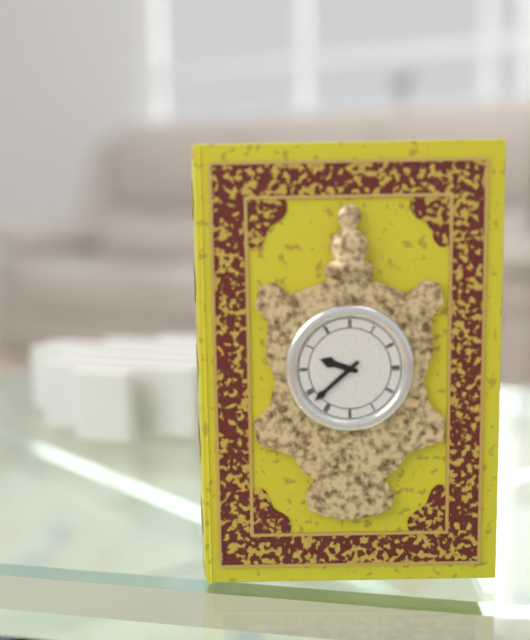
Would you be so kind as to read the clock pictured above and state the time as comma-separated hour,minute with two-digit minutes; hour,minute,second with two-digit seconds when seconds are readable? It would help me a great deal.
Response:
9,38
